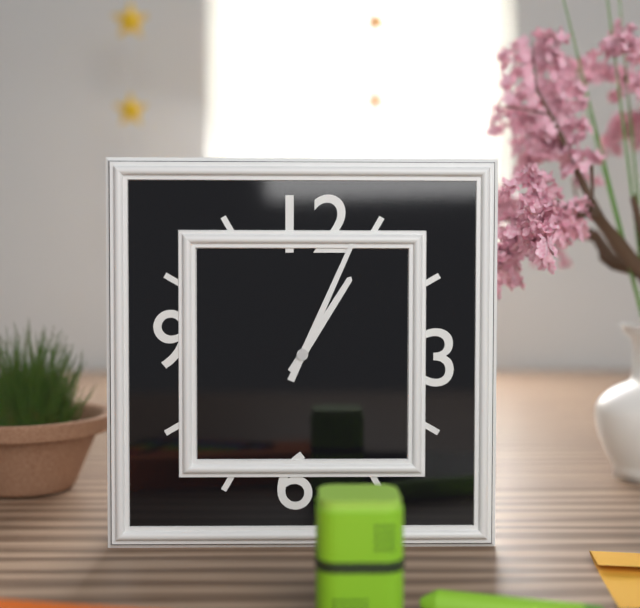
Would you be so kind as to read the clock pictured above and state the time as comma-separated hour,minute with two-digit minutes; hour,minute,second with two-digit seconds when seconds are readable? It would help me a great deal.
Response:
1,04
